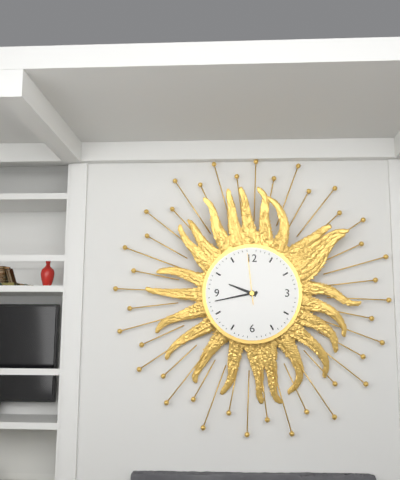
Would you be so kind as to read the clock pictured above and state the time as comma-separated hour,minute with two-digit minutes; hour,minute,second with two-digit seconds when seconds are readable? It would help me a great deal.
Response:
9,43,59
